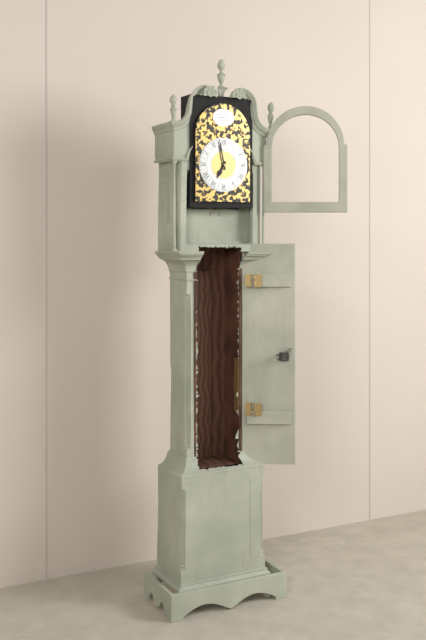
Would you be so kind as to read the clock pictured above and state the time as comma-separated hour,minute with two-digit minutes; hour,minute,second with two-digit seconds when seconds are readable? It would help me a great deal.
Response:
6,58
